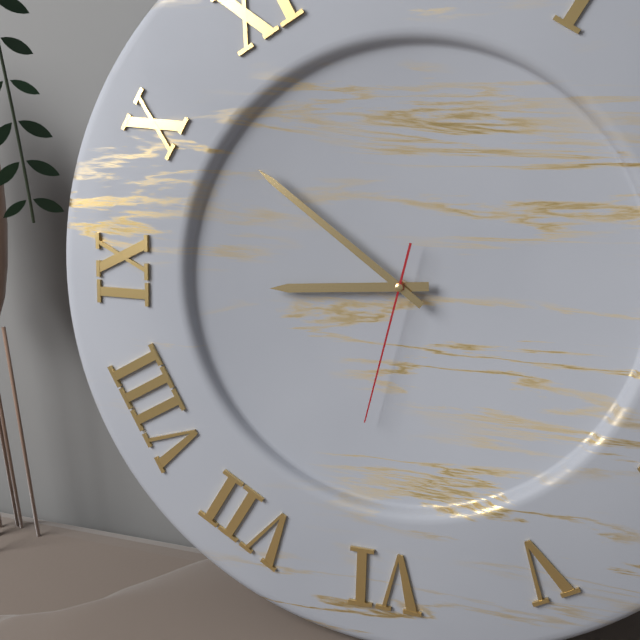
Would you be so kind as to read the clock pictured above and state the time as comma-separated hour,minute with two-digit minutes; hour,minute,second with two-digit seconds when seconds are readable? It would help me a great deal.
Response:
8,51,32
